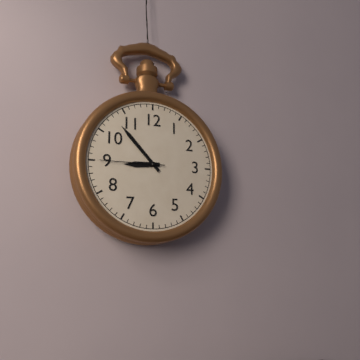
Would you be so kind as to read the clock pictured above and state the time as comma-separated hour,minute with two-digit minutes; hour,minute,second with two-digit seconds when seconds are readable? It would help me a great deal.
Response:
8,53,45
